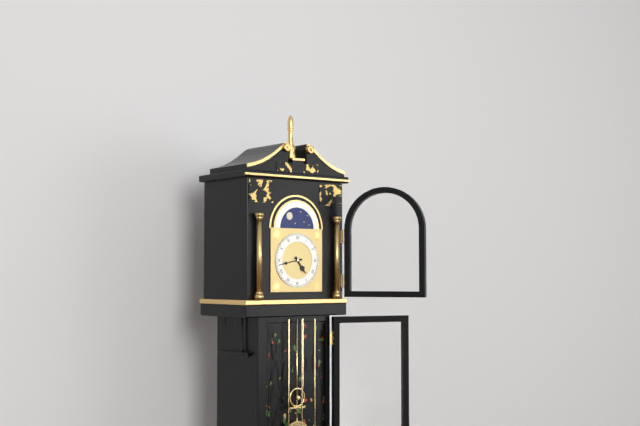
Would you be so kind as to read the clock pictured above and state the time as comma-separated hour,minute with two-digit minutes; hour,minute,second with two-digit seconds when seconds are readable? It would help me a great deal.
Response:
4,43
